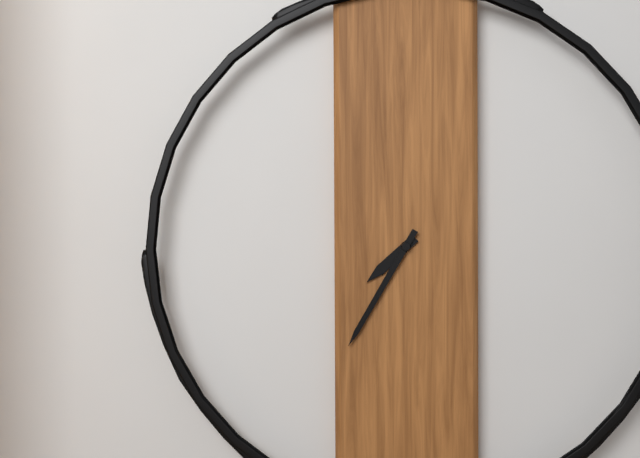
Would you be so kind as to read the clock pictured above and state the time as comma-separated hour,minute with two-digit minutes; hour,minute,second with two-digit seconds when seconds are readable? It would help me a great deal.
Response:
7,35
